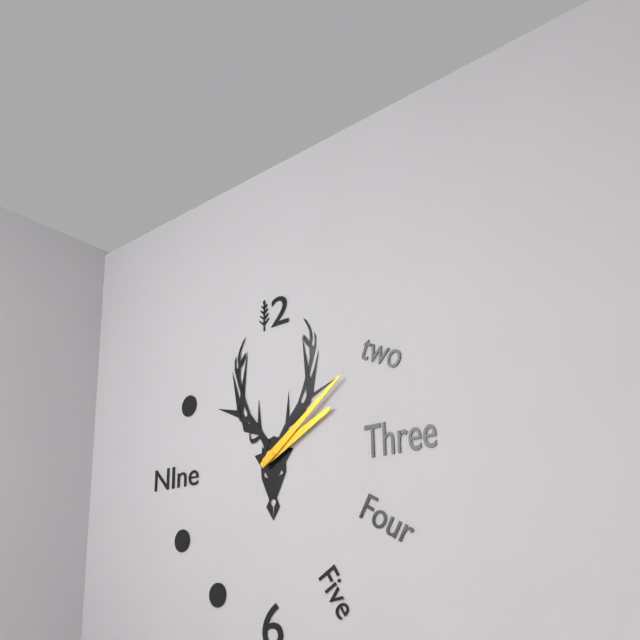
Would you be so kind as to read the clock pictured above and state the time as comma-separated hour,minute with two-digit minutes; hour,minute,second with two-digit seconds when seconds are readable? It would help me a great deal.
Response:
2,09
